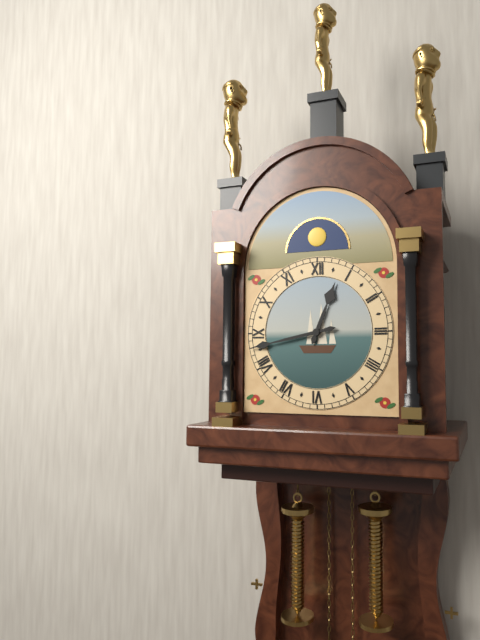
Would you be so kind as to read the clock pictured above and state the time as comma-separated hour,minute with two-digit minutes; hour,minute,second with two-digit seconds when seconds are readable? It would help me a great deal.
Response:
12,43
